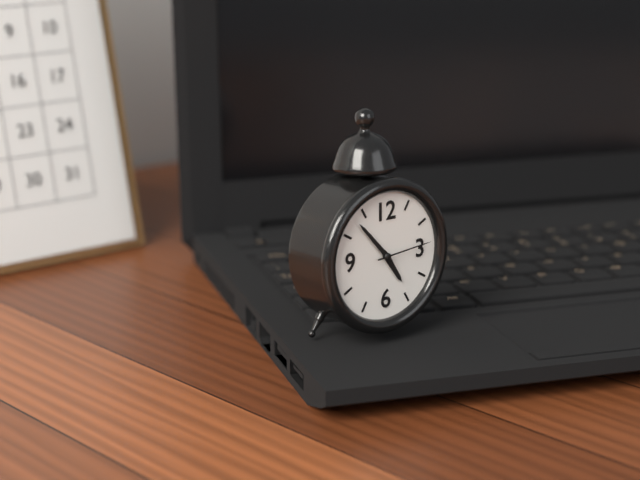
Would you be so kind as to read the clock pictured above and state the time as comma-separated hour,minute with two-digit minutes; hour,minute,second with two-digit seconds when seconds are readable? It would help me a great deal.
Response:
4,53,14
